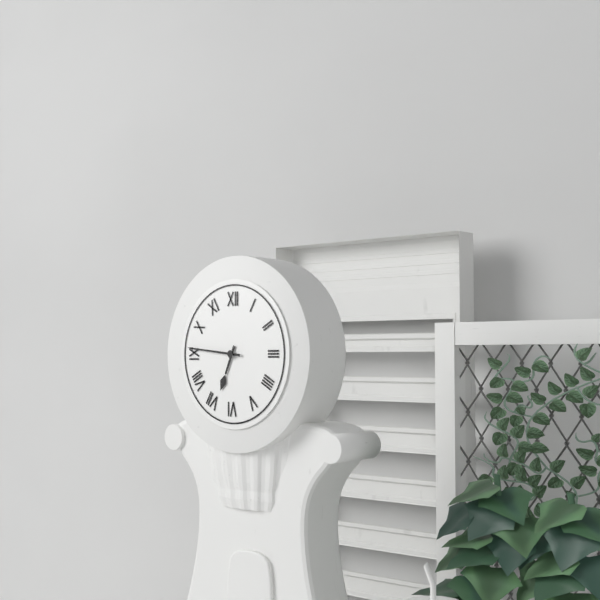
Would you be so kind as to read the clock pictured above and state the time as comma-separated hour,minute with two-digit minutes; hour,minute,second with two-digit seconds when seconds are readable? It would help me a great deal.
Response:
6,46
